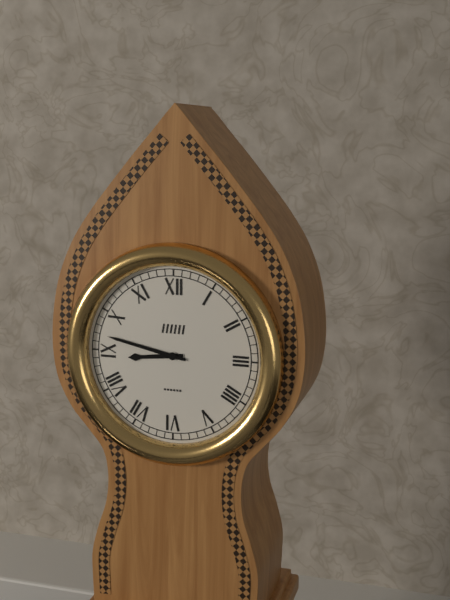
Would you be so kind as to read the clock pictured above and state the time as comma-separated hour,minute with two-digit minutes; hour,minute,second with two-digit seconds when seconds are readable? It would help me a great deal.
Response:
8,47
